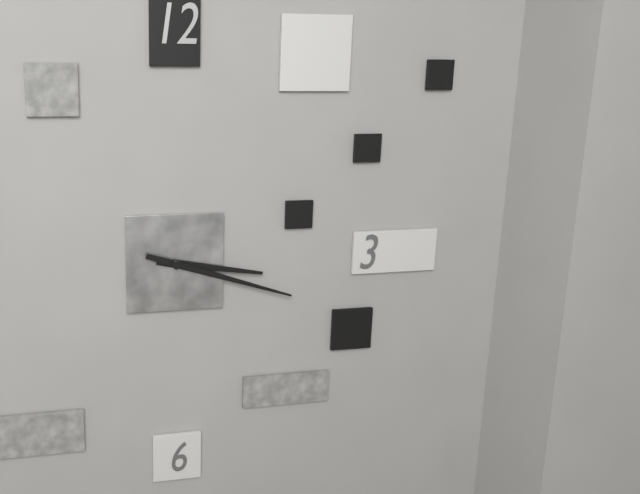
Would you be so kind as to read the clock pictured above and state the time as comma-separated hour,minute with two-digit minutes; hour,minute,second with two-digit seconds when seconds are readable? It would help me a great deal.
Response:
3,18
